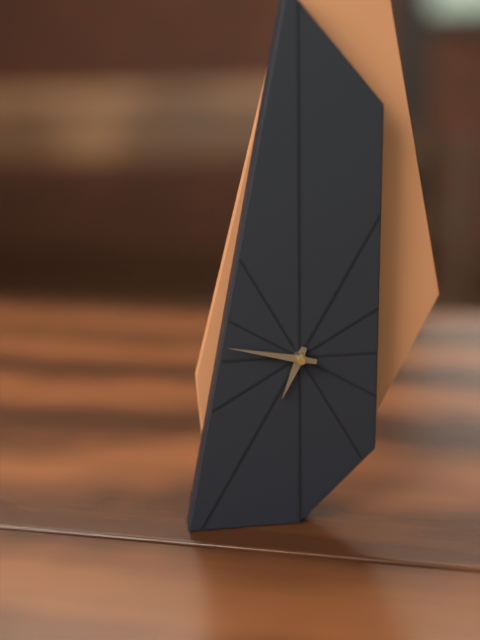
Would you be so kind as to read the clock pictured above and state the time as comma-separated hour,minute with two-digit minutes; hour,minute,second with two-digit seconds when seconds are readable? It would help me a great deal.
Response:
6,47
